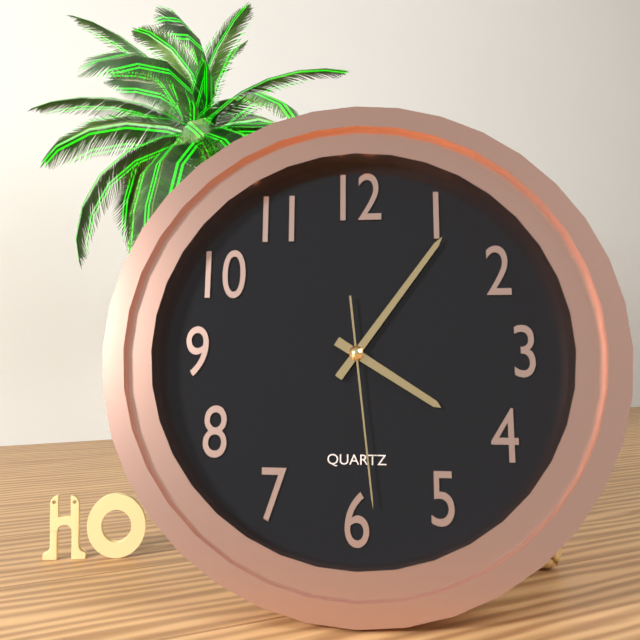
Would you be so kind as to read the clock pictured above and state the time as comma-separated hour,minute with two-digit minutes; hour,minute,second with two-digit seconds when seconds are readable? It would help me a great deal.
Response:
4,06,29
